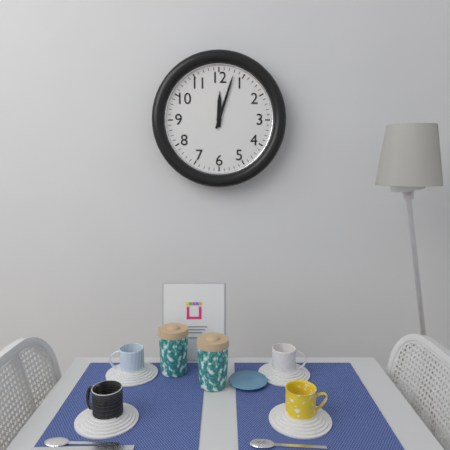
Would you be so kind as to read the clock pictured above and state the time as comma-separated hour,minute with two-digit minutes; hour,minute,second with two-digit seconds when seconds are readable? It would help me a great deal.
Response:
12,03
